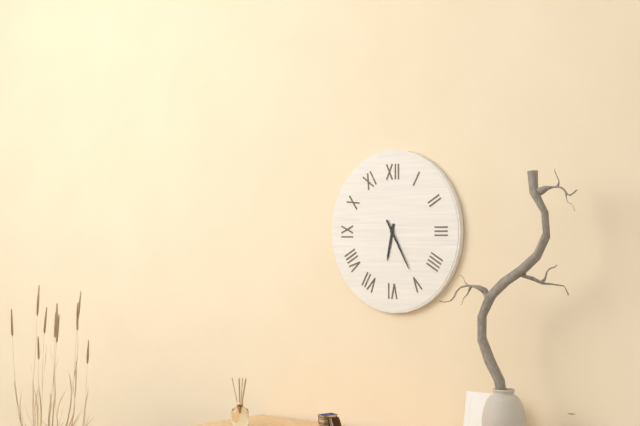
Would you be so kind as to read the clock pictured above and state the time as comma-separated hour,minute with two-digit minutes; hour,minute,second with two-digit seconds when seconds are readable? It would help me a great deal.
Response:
6,25
